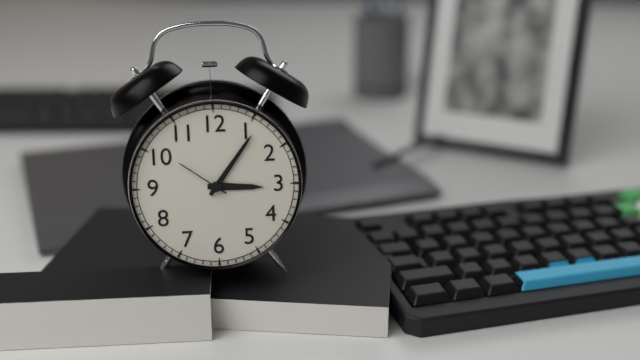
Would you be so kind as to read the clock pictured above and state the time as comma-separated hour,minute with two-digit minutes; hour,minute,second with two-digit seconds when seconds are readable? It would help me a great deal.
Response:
3,06
